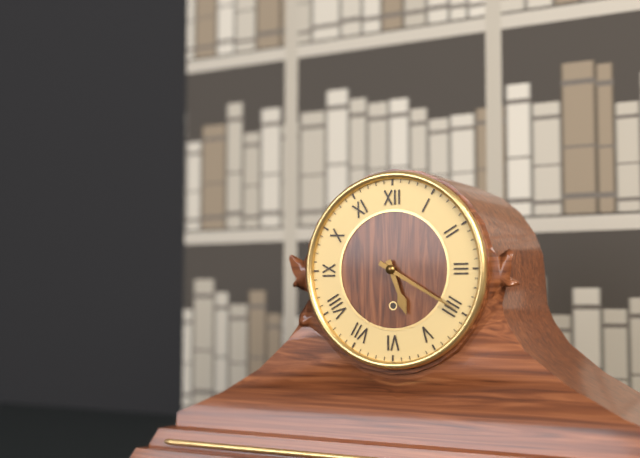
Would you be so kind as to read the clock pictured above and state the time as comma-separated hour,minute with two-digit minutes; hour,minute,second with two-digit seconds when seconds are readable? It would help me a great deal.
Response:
5,20
